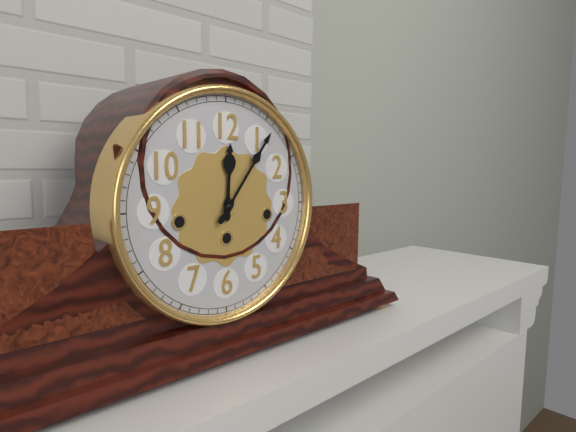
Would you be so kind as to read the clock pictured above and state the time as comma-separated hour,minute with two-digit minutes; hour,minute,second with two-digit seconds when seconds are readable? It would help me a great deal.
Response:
12,06
